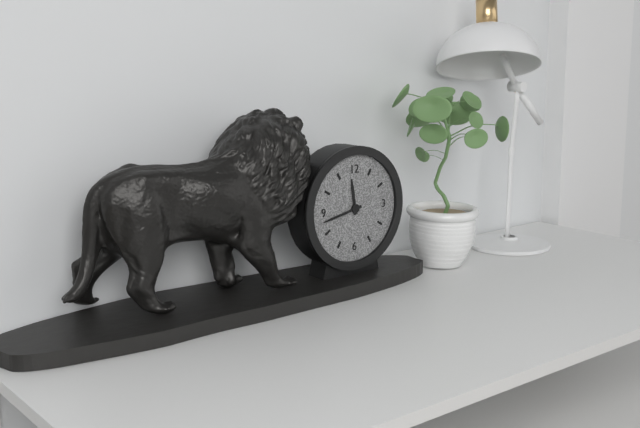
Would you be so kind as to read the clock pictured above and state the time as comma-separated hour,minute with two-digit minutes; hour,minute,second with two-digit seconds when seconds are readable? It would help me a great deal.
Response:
11,43
